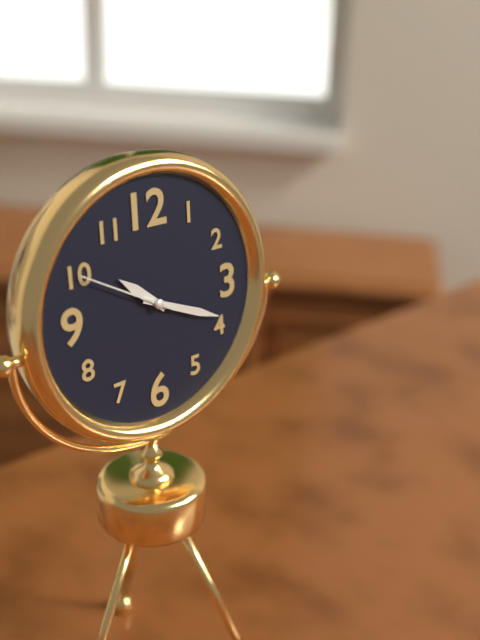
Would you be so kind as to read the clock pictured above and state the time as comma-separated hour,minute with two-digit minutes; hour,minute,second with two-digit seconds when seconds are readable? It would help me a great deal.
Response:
10,19,50
